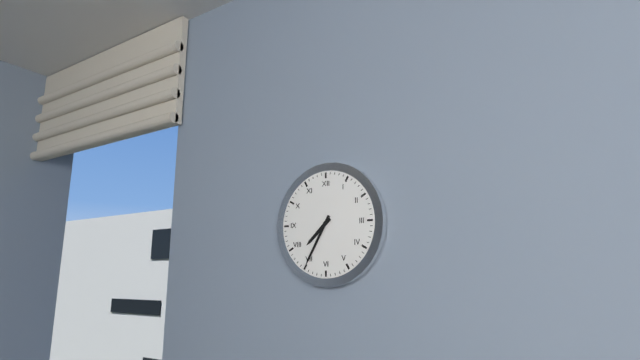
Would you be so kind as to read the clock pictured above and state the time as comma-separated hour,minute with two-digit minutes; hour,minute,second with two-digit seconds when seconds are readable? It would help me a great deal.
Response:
7,35
